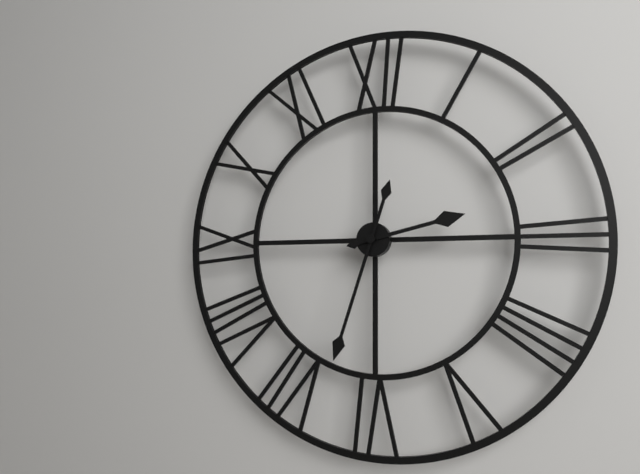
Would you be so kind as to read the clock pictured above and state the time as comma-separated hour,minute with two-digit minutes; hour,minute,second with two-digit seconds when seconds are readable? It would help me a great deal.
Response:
2,33
